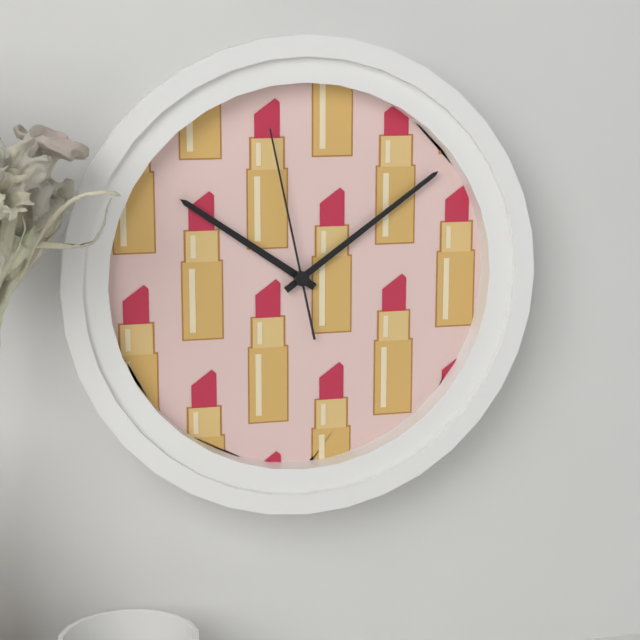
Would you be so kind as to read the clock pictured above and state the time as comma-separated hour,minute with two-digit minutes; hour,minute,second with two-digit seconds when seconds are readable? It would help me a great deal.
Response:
10,09,58
